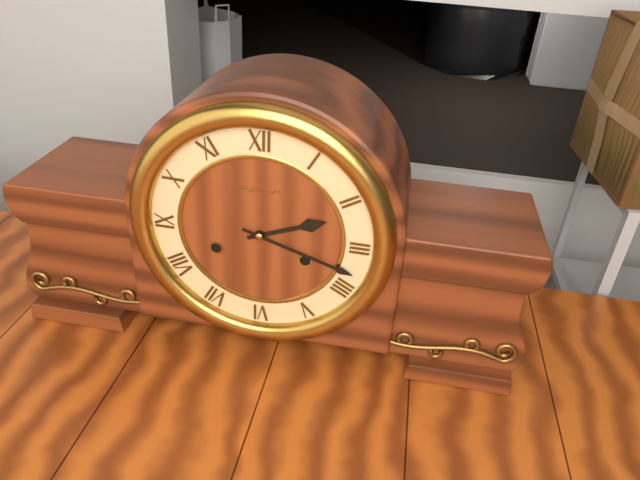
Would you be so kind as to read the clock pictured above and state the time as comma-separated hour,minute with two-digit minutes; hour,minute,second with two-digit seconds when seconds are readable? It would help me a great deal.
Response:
2,18
